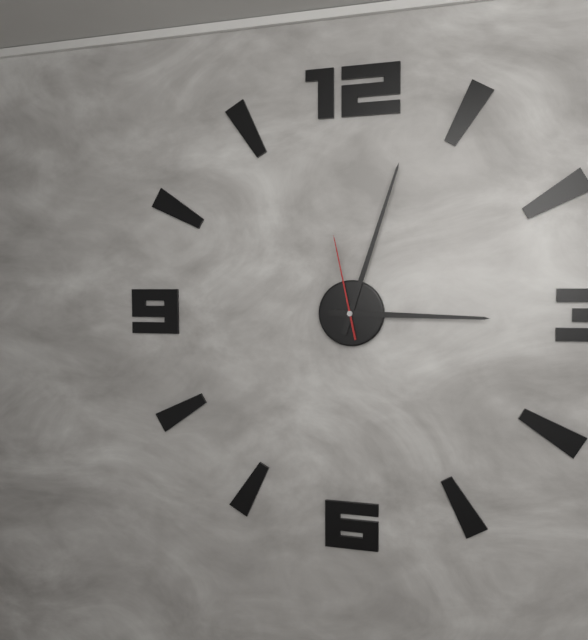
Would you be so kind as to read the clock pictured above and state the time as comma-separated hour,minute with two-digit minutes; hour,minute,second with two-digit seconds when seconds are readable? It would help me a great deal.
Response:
3,03,58
